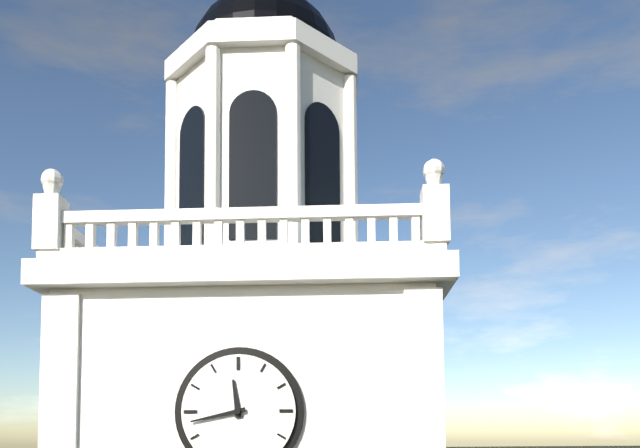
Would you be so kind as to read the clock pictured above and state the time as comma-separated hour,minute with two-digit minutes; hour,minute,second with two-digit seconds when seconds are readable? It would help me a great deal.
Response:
11,43
